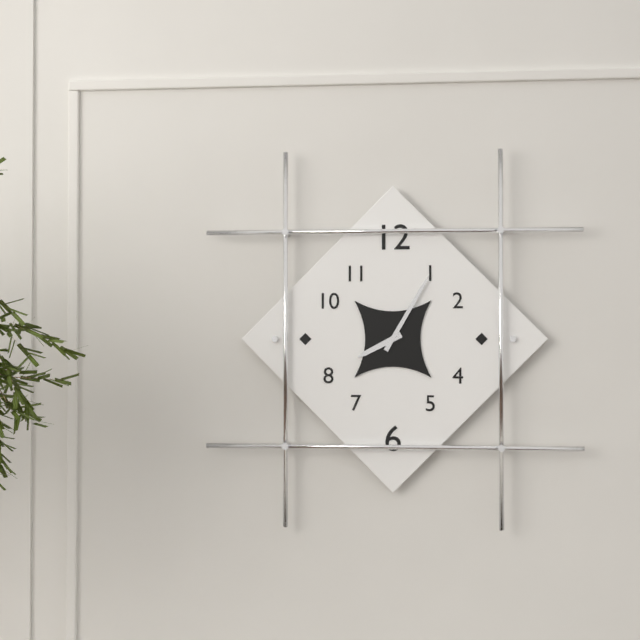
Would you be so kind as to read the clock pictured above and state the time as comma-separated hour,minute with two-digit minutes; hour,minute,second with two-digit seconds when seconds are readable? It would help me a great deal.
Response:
8,05
